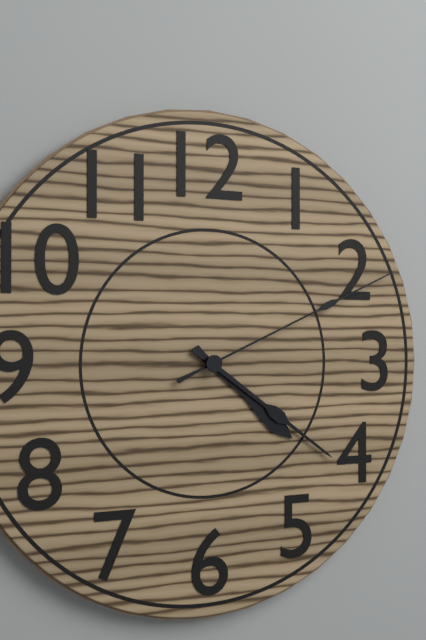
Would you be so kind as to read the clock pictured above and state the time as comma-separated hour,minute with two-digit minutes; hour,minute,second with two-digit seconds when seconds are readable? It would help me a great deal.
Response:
4,21,11
